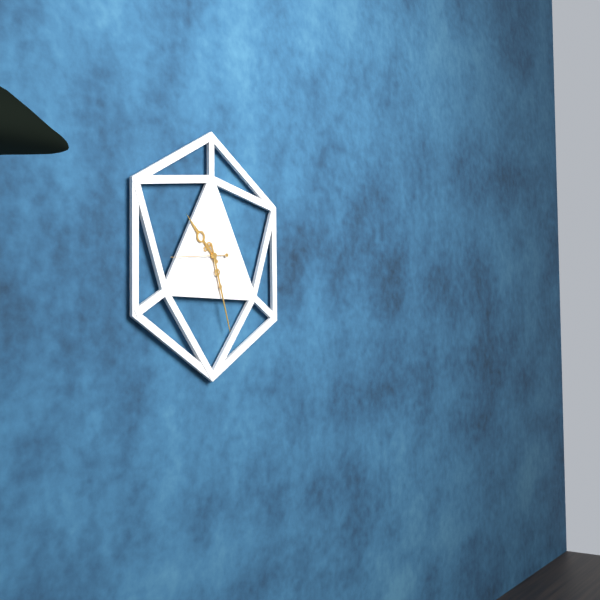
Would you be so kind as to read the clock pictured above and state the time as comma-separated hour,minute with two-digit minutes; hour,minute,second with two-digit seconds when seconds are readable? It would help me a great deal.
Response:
10,27,44
